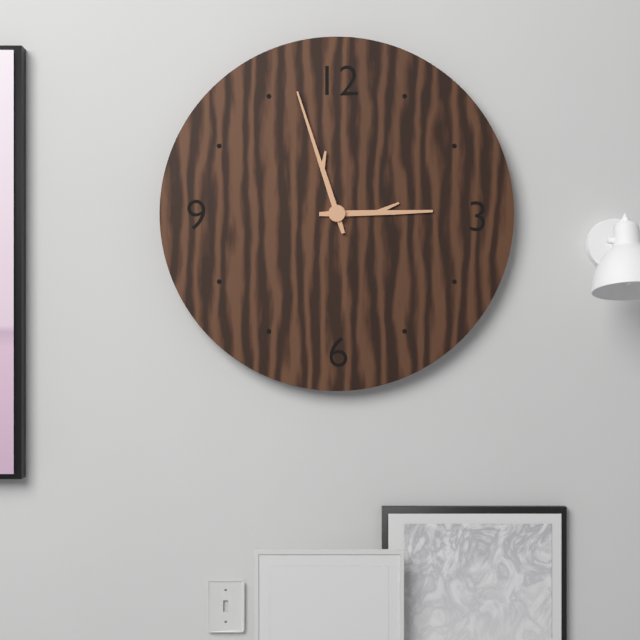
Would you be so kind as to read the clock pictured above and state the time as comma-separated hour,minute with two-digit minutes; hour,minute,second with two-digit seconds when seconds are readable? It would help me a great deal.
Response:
2,57
